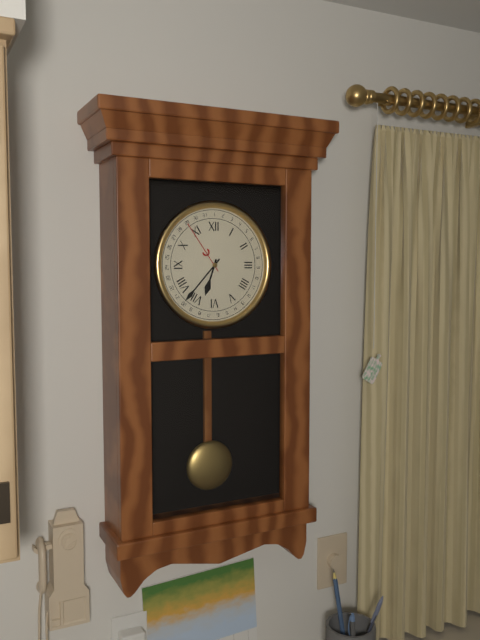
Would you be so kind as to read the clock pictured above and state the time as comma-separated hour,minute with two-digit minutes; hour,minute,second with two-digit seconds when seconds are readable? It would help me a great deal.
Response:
6,37
